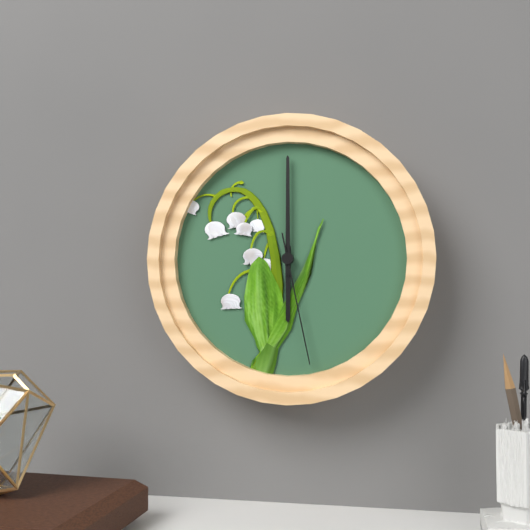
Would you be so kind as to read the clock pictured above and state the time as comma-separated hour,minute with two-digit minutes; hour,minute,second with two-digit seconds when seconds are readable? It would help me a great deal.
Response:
6,00,28
